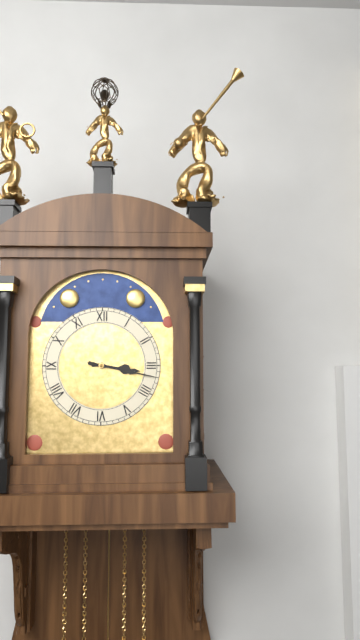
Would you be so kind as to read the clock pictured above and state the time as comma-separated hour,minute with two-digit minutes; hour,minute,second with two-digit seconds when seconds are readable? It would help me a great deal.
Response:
3,17
